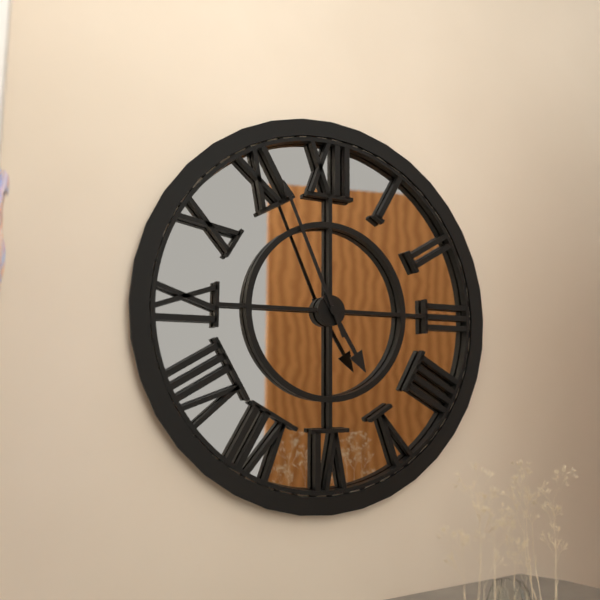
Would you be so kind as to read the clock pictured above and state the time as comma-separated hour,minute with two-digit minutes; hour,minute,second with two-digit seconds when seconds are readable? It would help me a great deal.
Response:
4,56
